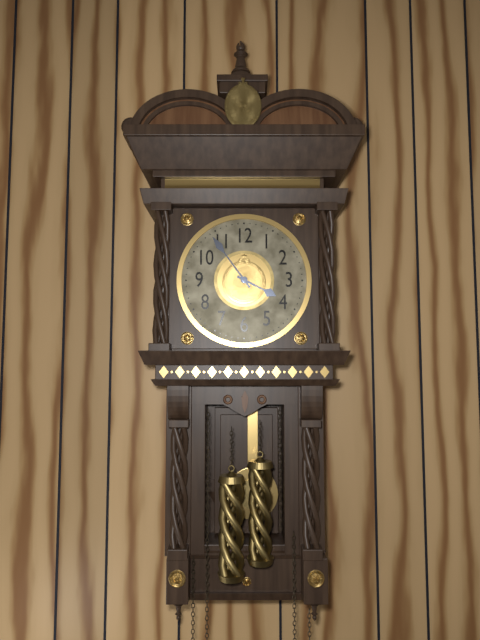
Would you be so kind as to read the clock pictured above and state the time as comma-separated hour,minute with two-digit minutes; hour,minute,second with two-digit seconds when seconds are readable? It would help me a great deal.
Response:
3,54
